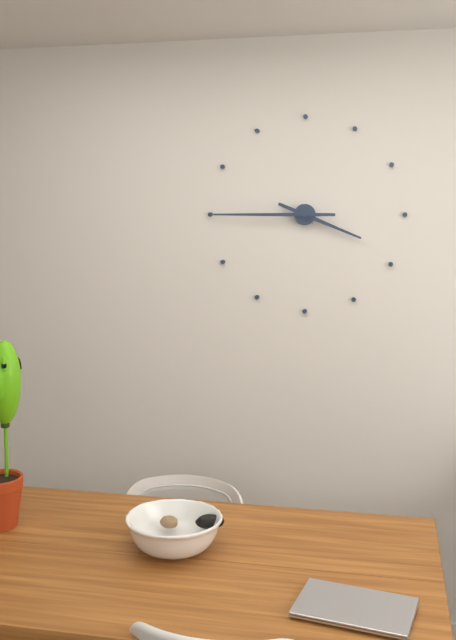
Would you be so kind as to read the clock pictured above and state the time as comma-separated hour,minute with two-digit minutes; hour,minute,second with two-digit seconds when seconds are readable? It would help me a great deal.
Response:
3,45
